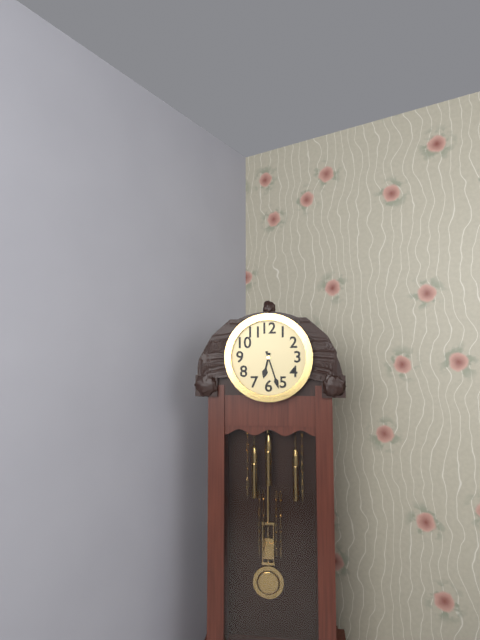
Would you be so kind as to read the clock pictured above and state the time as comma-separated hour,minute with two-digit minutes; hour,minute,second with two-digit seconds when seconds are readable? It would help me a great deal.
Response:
6,27
